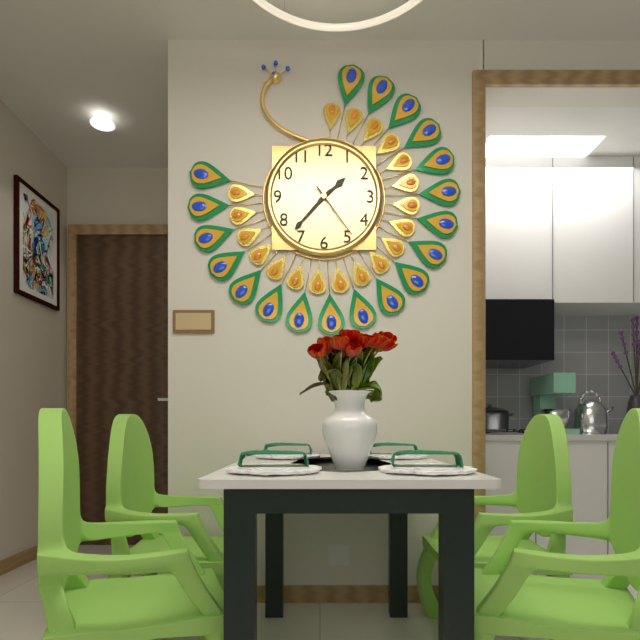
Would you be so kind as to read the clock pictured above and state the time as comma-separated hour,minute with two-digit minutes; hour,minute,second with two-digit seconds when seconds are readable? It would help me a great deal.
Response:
1,37,24
